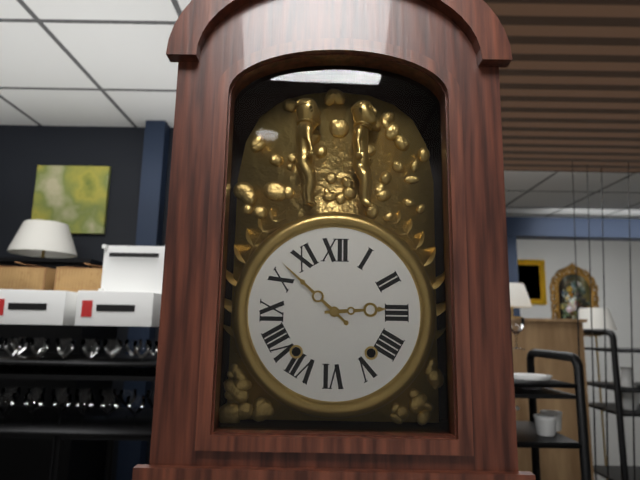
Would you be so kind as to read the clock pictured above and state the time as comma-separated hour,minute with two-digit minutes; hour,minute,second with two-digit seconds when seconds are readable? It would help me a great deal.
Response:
2,52
